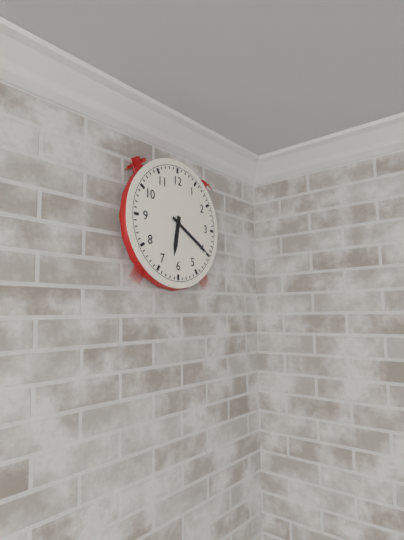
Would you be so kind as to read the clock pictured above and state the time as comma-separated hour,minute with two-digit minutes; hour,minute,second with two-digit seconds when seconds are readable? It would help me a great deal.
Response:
6,20
